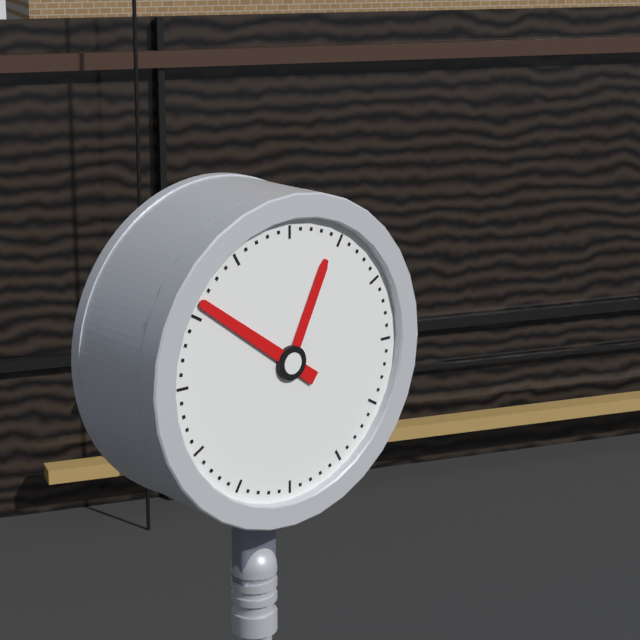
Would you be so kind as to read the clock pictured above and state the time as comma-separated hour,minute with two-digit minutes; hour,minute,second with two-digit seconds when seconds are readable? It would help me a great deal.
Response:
12,51
